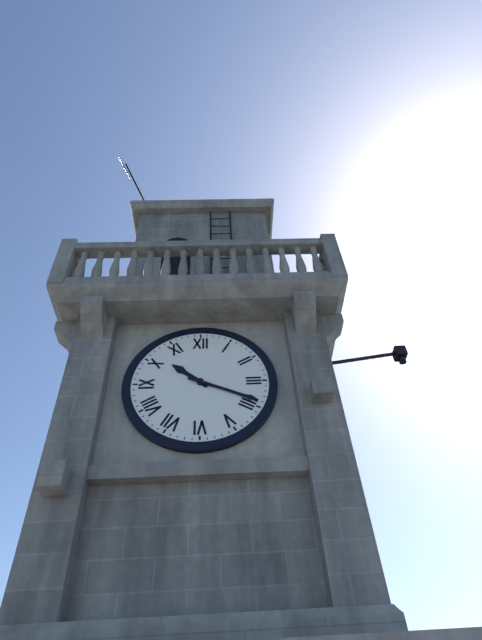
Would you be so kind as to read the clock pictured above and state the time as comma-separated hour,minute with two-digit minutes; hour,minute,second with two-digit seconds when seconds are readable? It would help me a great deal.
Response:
10,19
